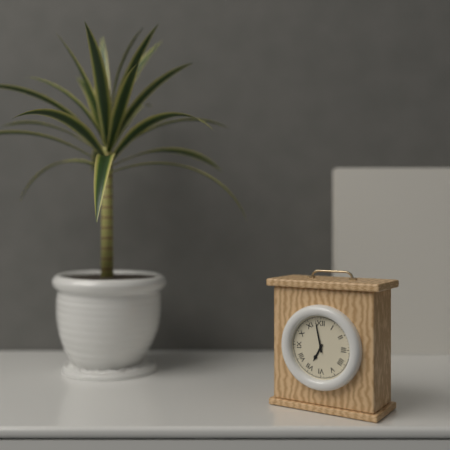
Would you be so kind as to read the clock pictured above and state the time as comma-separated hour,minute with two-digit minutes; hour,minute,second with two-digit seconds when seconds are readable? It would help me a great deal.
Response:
6,58
